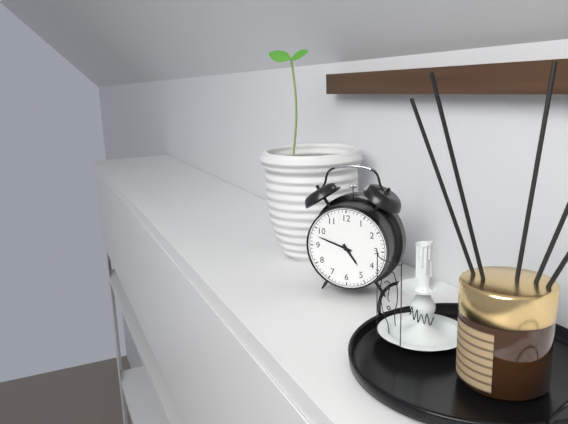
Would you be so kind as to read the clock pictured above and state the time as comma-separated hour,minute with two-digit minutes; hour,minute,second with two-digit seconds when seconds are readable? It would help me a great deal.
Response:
4,48
